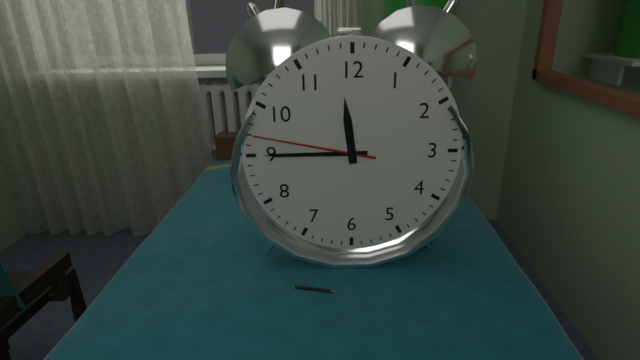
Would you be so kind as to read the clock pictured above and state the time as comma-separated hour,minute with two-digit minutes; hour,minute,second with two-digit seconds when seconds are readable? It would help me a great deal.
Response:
11,45,47
